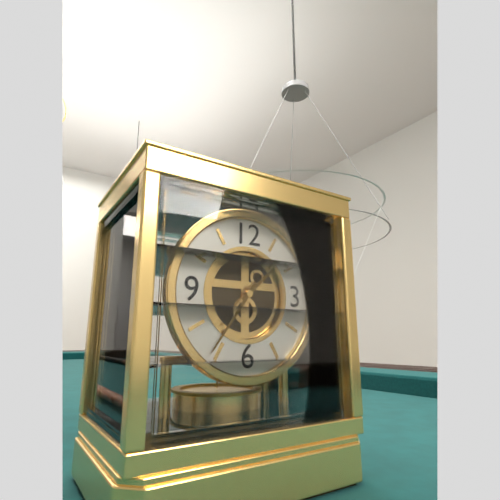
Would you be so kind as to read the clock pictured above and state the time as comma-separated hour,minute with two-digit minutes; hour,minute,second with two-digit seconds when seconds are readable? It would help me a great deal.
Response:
1,36
